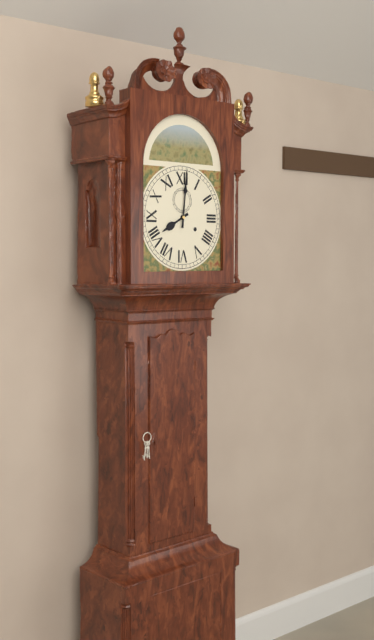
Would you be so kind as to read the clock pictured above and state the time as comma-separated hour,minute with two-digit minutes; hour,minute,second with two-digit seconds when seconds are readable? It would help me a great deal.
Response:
8,01
